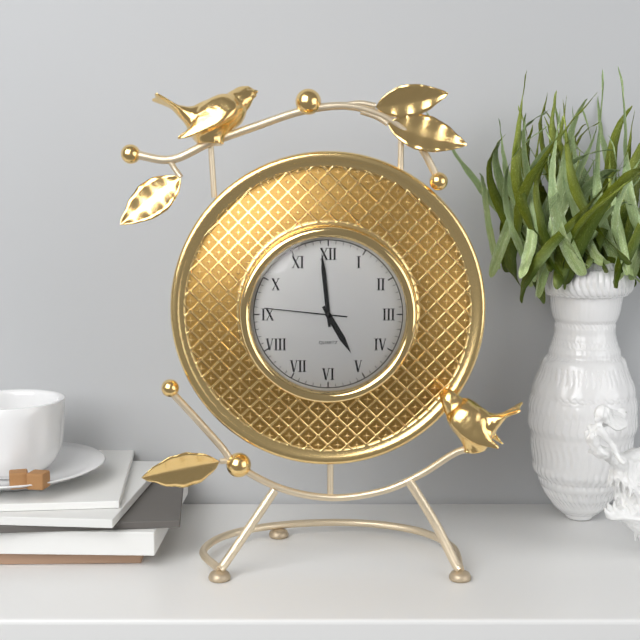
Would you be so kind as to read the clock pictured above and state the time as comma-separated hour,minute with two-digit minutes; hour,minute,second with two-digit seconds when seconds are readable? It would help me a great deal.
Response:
4,59,46
